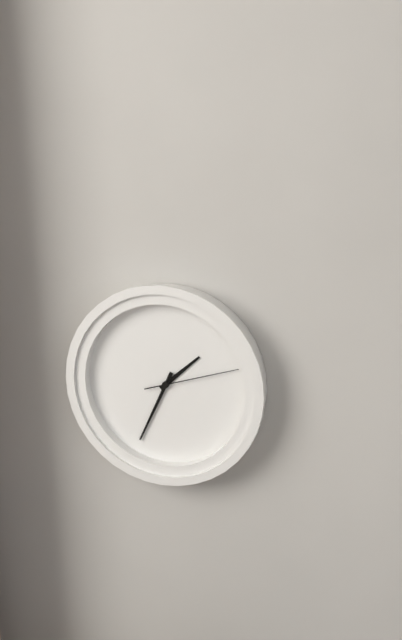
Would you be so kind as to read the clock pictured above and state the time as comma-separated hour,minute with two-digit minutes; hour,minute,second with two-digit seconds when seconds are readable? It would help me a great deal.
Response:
1,34,12
